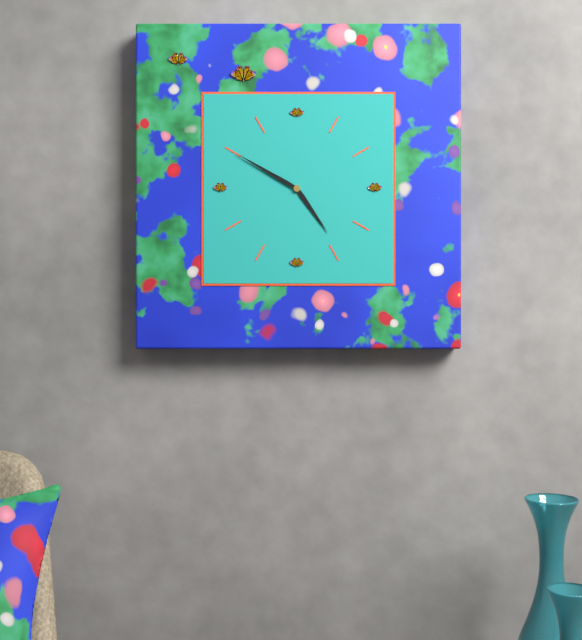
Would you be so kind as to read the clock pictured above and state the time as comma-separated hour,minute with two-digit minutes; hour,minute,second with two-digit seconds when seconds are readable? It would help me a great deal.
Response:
4,50
